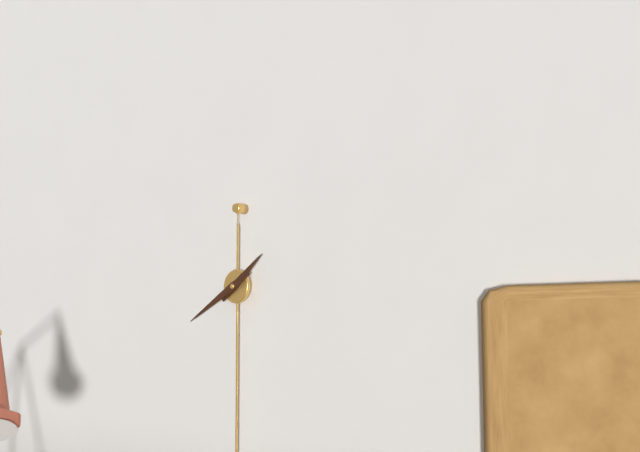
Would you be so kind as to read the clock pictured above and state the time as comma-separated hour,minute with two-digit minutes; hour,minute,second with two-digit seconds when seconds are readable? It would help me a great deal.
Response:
1,40
